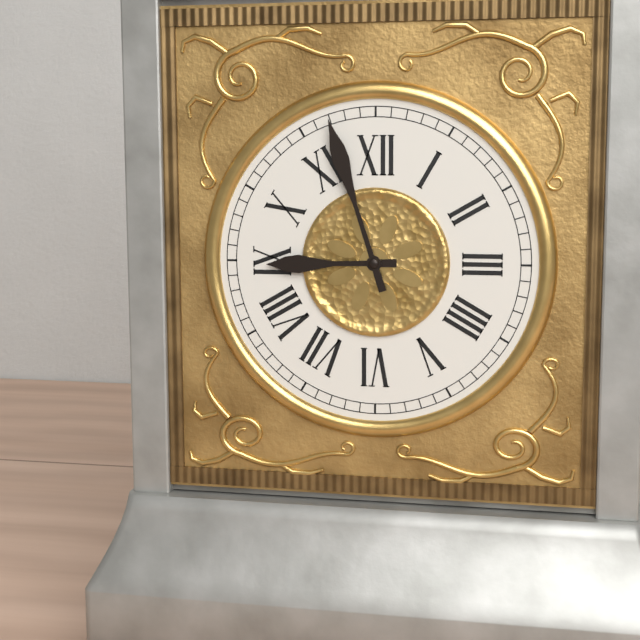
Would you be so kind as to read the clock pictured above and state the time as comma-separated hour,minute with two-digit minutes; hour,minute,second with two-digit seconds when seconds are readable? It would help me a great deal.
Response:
8,57
